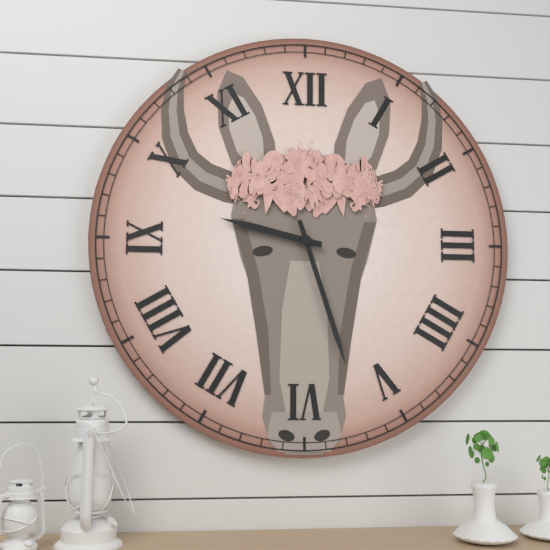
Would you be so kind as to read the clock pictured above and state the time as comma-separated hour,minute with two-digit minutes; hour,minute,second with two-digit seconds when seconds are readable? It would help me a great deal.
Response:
9,27
